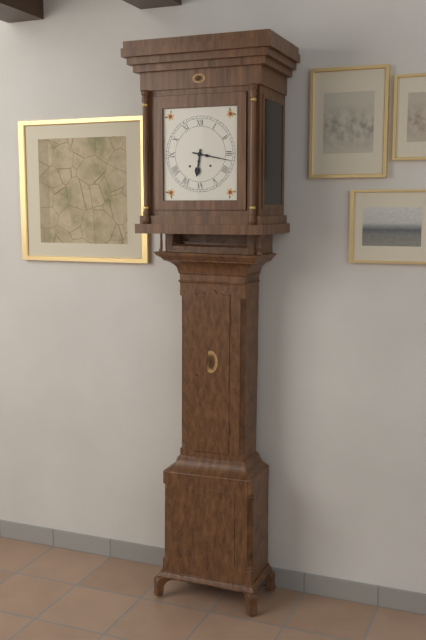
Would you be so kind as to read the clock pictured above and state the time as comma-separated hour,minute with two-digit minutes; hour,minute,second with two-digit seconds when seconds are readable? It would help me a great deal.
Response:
6,17
